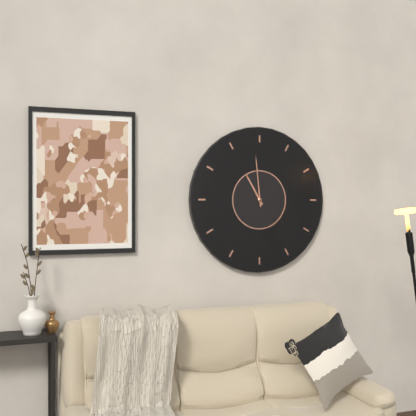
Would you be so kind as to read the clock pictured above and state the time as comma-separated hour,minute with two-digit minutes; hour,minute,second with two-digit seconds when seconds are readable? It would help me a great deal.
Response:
10,59
